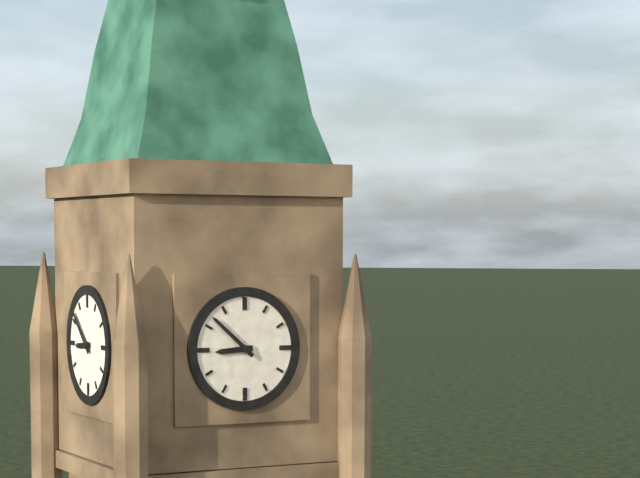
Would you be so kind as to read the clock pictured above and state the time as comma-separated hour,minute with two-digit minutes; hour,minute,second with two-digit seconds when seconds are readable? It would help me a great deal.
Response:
8,52
